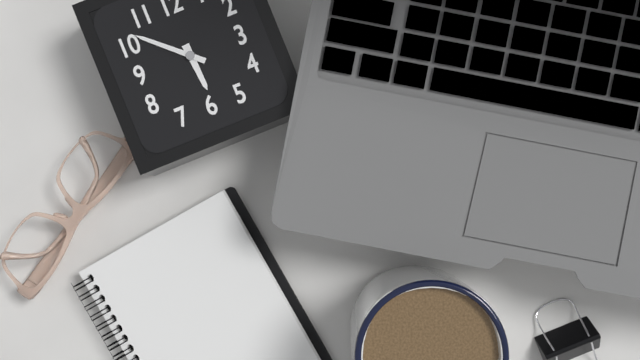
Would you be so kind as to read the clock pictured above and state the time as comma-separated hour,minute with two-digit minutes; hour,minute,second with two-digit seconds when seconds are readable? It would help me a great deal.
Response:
5,52
